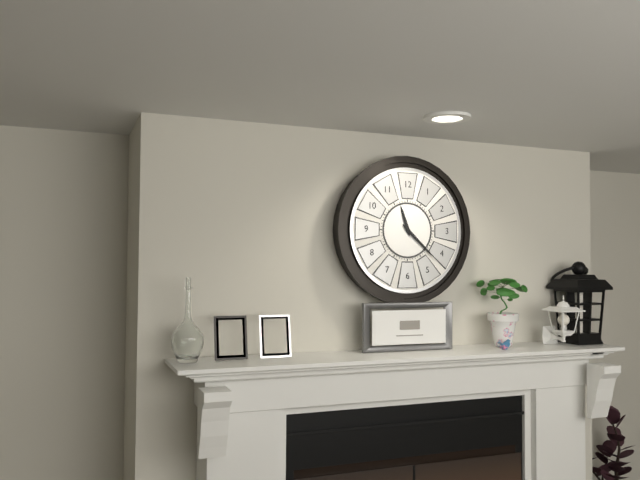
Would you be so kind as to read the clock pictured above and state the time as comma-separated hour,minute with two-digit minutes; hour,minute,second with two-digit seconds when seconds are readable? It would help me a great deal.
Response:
11,22
